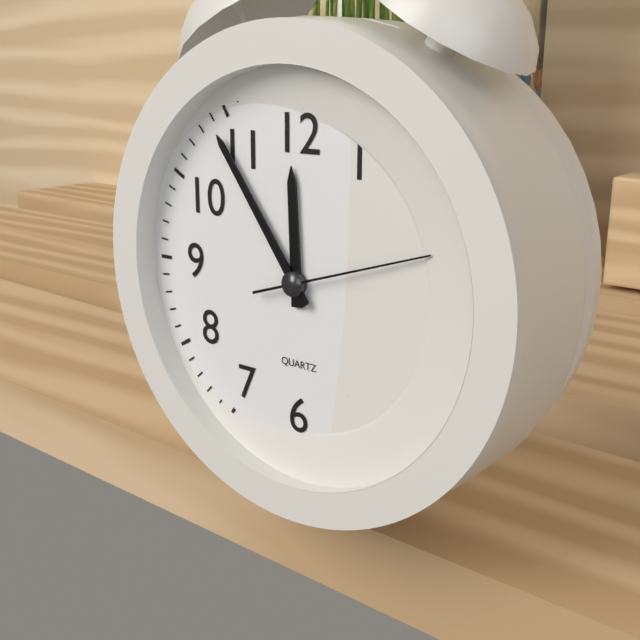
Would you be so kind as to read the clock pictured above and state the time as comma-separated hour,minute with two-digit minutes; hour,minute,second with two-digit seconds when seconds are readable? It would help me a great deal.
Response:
11,54,12
